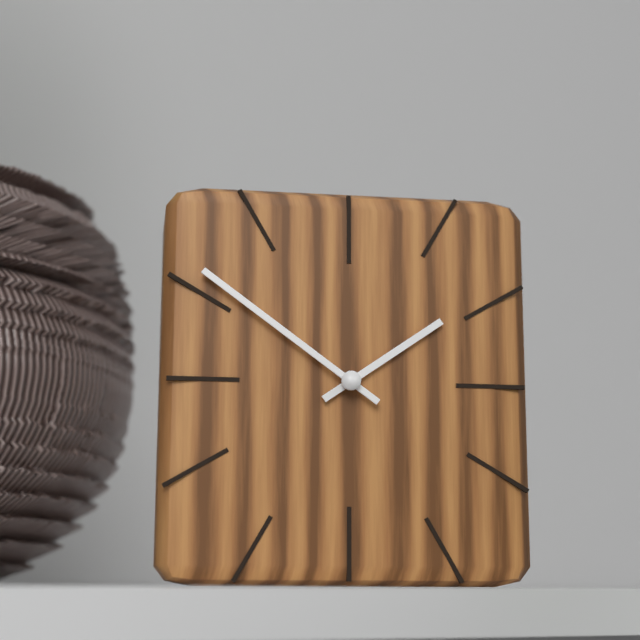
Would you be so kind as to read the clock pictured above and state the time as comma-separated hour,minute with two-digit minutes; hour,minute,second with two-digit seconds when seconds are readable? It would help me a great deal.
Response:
1,51
